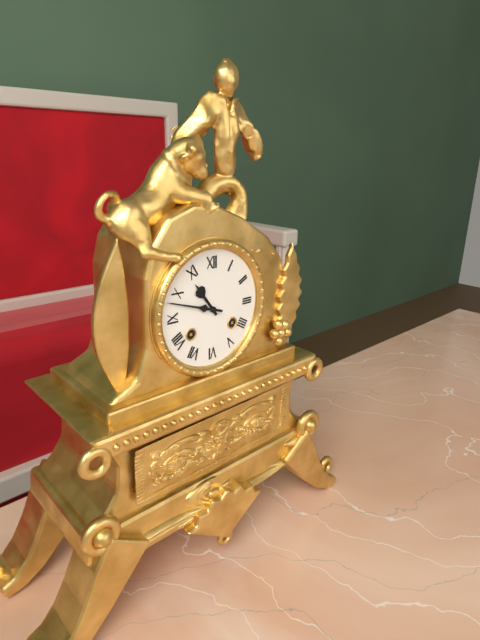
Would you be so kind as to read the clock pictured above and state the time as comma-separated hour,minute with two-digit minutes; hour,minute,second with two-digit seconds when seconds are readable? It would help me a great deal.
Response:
10,48
